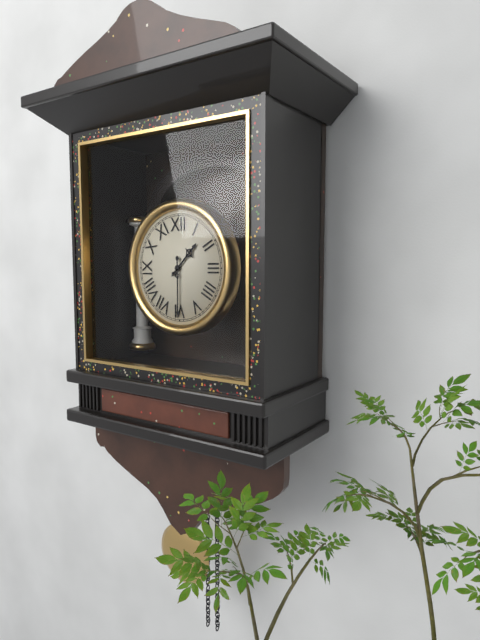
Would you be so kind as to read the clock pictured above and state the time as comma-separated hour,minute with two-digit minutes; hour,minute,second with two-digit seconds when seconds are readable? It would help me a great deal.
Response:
1,30
